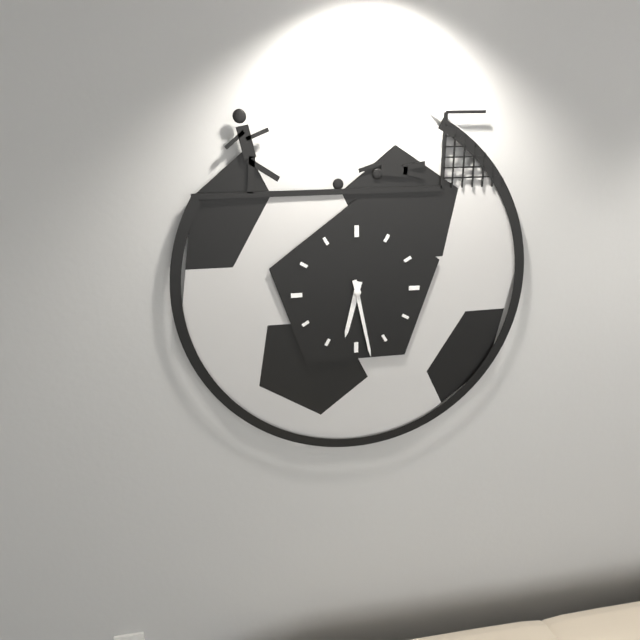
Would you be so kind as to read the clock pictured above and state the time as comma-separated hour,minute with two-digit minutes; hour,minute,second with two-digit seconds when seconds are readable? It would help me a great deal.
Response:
6,28
